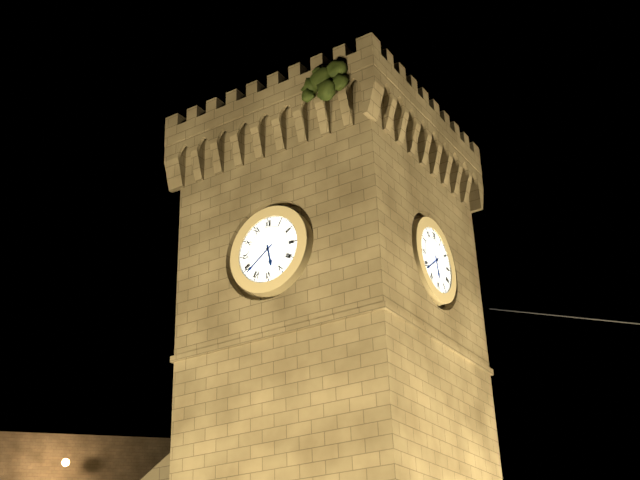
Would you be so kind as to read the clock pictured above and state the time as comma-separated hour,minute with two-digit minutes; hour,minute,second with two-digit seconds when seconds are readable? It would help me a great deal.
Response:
5,39
